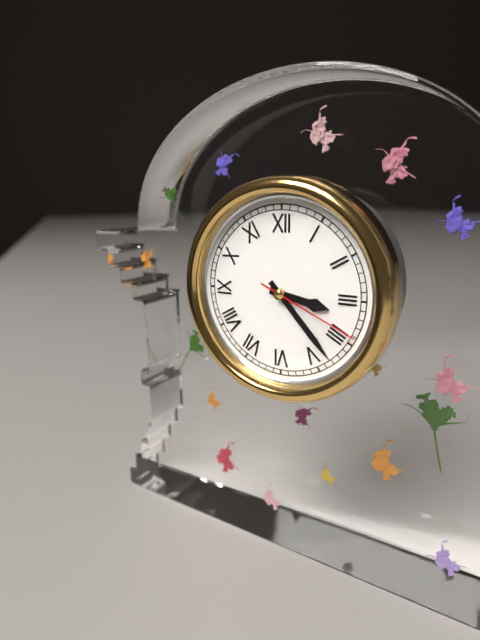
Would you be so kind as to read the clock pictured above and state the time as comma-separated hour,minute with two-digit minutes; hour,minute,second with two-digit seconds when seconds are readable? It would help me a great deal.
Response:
3,23,19
